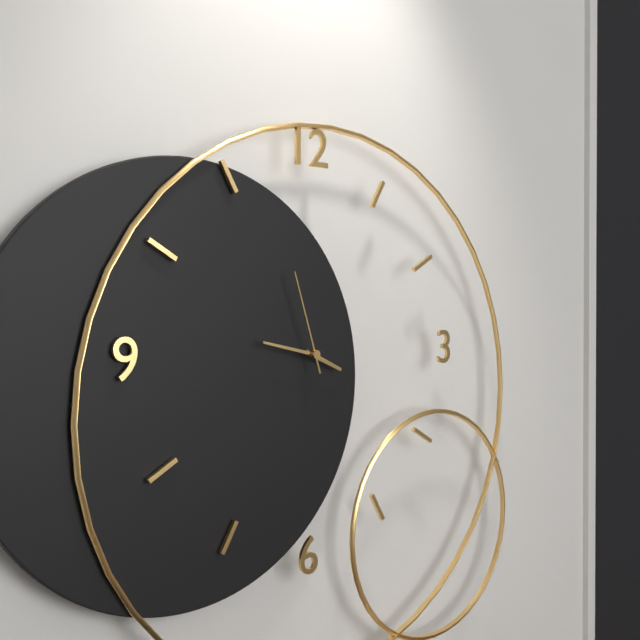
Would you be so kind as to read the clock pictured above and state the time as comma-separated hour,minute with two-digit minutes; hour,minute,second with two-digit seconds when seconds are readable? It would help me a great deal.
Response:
3,47,57
